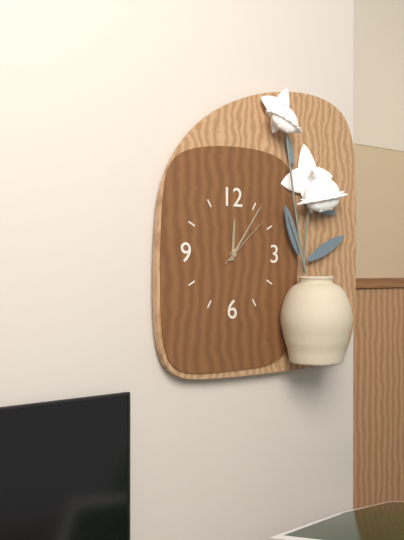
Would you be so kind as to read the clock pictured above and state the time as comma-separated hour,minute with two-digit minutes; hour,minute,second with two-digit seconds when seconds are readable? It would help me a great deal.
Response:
12,06,08
